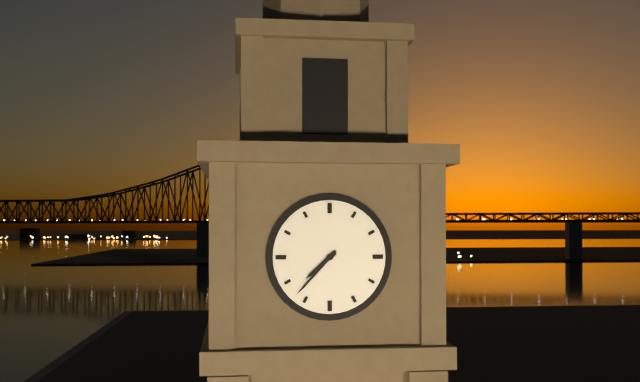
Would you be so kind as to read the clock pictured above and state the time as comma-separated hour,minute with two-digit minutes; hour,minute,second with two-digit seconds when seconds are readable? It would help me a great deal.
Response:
7,37
